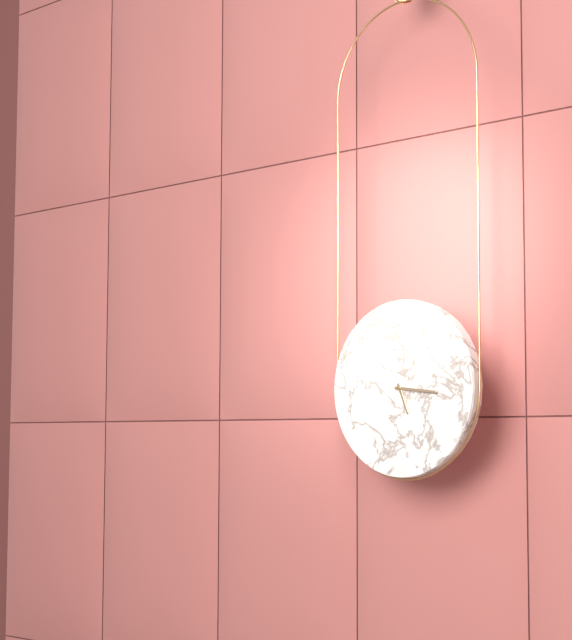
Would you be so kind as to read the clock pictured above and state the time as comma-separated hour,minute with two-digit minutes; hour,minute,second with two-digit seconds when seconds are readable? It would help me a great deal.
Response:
5,16
